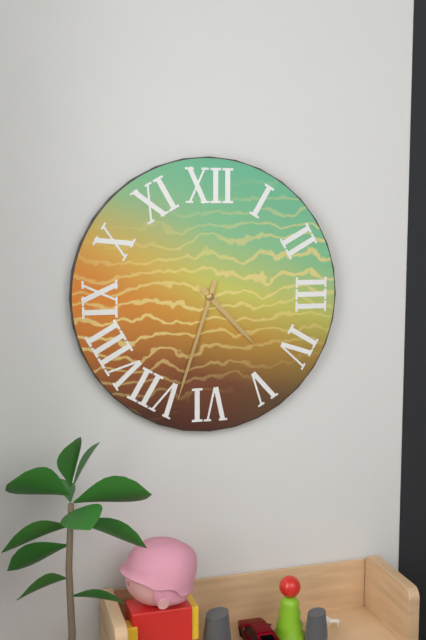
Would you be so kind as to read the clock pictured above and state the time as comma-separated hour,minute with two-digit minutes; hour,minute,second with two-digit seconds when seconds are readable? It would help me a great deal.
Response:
4,33
